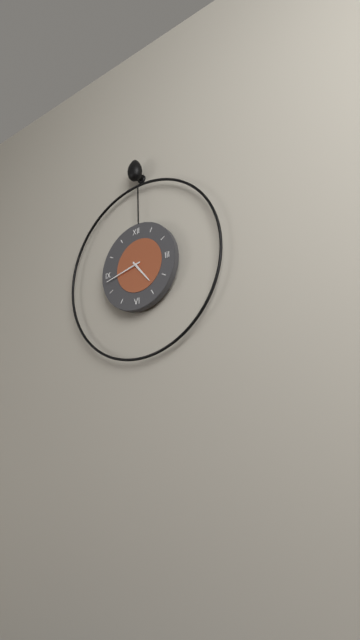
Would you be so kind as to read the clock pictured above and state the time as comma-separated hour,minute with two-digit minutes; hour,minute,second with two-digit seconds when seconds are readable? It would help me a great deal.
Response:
4,43
